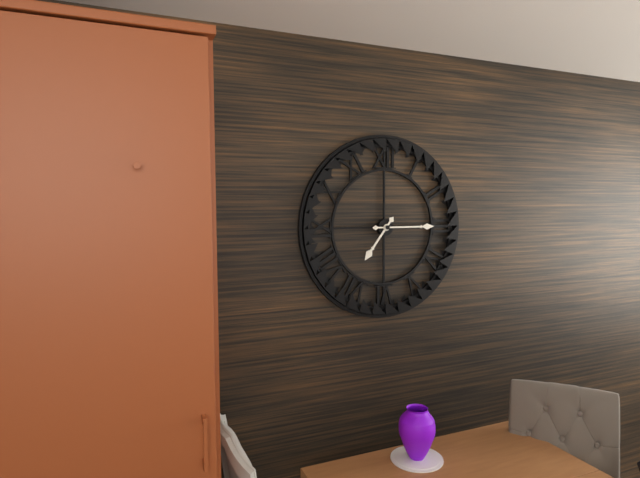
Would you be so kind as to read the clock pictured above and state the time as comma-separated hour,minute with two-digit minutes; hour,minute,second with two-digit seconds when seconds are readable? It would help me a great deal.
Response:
7,15
